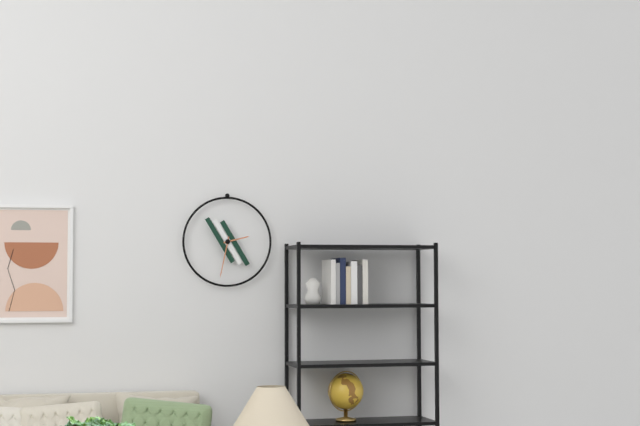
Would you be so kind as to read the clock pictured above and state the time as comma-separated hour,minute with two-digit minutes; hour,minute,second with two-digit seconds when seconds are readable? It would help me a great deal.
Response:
2,32
